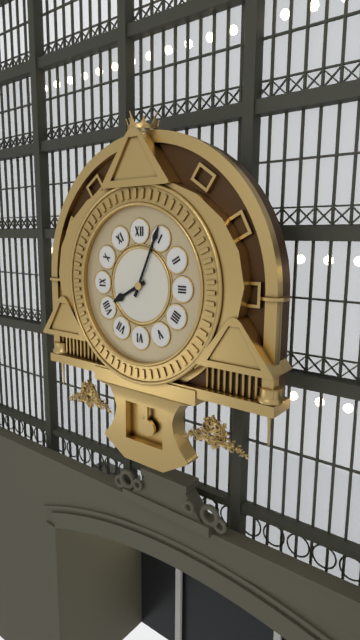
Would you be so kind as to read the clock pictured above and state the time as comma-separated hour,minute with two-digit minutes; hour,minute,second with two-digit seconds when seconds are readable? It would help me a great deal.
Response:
8,04
